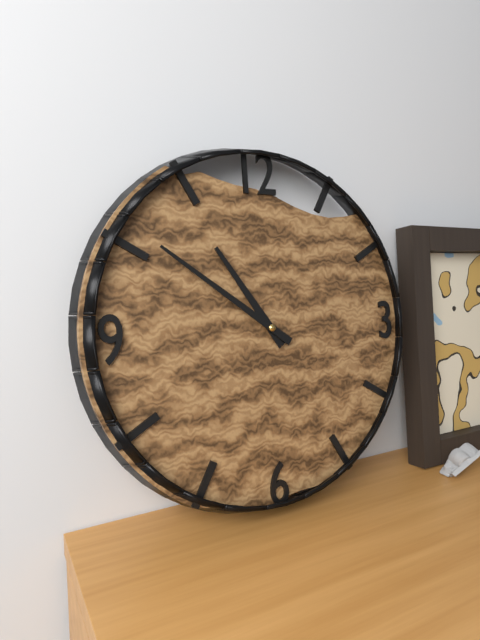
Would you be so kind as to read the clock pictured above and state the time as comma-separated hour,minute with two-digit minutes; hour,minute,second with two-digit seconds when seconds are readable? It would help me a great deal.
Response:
10,51
